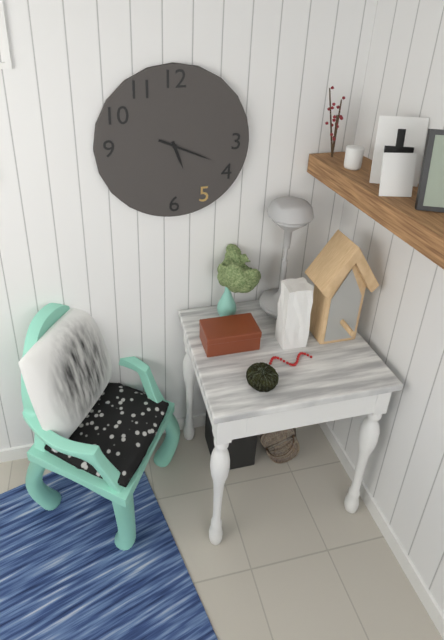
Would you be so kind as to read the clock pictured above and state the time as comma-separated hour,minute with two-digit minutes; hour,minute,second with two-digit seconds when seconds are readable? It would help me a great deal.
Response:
5,19
